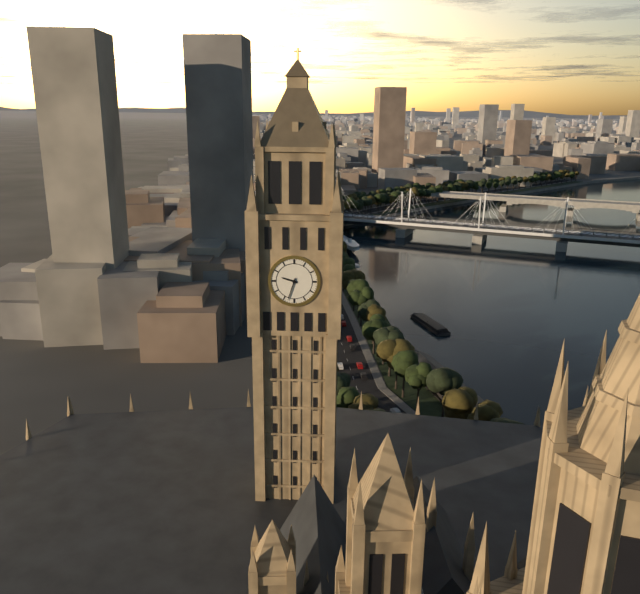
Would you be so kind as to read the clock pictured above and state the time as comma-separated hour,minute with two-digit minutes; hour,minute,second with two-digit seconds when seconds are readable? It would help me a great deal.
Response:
9,33
